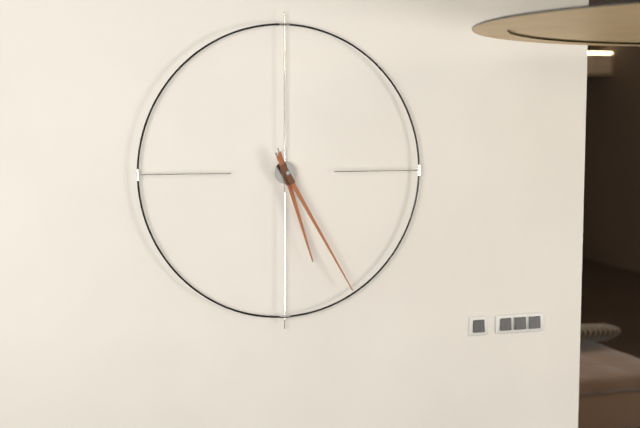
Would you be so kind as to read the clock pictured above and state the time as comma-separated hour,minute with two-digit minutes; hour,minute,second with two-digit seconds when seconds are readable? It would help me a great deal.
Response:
5,25
